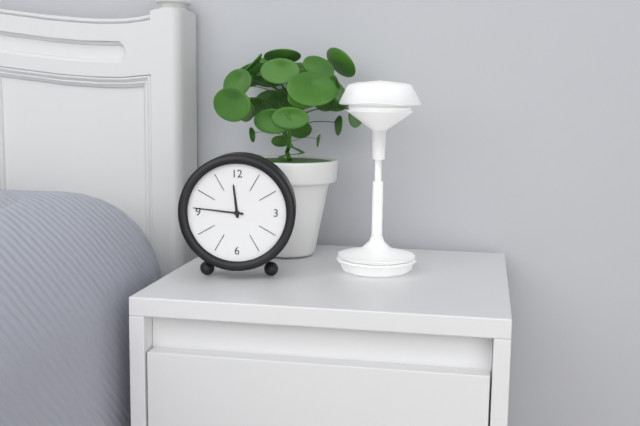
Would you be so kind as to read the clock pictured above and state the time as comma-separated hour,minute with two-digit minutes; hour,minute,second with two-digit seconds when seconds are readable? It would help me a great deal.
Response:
11,46
